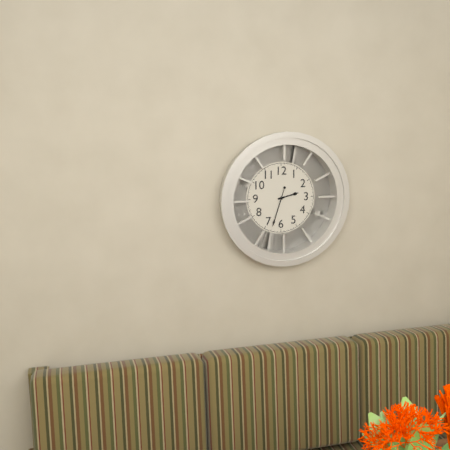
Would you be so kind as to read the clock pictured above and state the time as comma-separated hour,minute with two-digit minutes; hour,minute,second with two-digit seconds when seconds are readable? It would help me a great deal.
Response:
2,33
